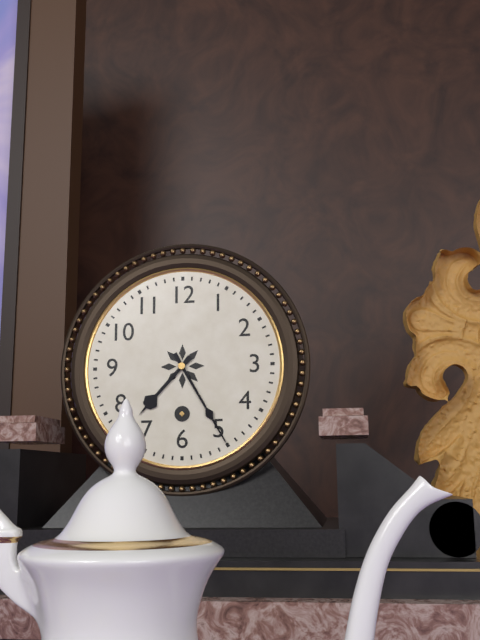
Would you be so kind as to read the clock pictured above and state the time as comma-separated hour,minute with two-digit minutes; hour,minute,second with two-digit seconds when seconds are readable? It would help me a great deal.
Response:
7,25
